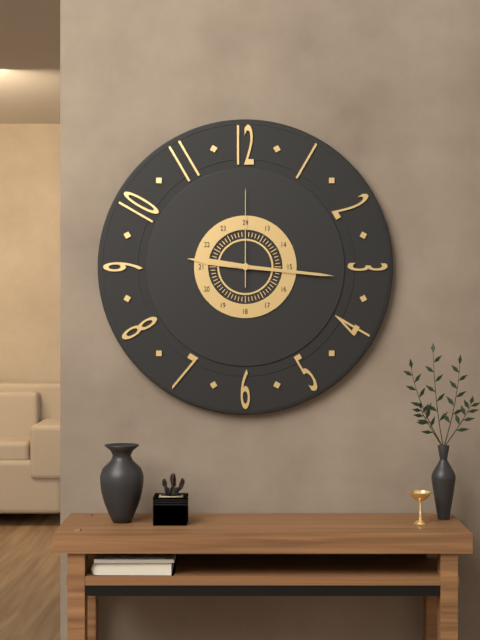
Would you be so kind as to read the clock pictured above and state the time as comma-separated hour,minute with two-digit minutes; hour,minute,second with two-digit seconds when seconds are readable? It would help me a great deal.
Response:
9,16,00
